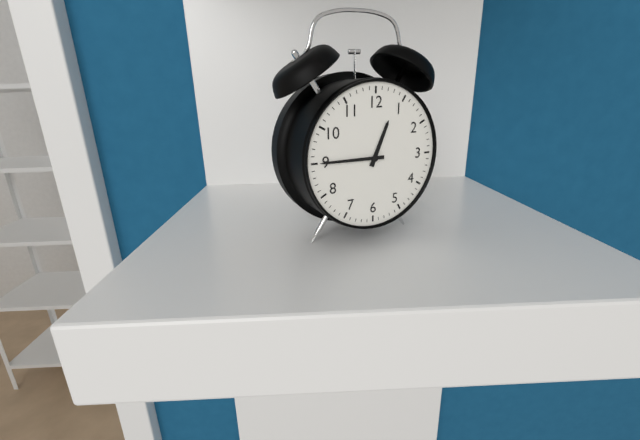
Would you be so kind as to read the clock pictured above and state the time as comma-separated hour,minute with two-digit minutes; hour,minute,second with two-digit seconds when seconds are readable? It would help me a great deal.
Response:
12,45
